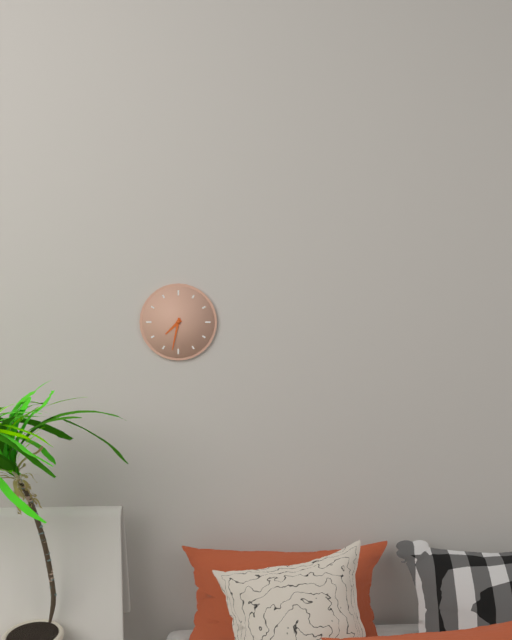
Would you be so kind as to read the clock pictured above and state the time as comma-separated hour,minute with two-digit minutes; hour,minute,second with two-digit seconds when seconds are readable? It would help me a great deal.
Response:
7,32
